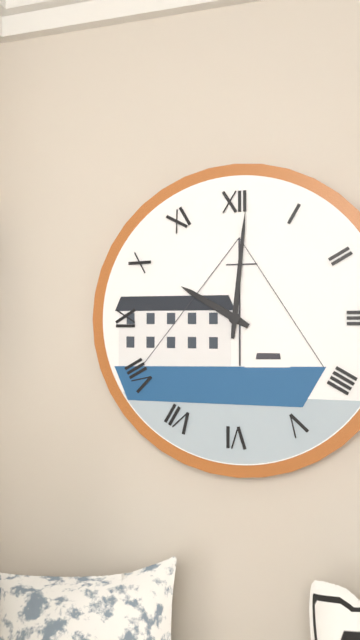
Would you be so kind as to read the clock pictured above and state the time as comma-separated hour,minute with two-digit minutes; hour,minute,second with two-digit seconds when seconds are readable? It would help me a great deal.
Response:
10,01
